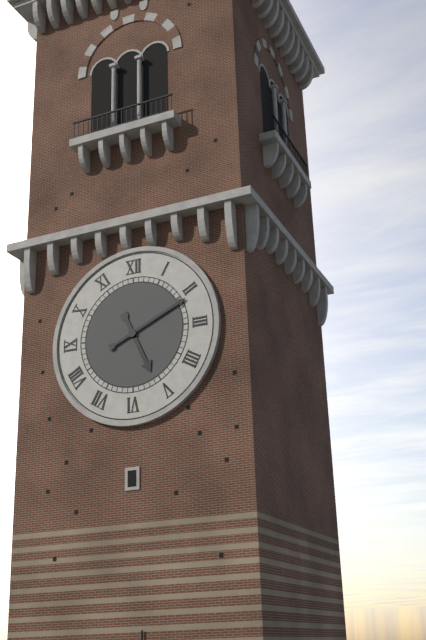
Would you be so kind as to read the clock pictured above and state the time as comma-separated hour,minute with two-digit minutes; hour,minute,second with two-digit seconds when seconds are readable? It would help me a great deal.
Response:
5,11
